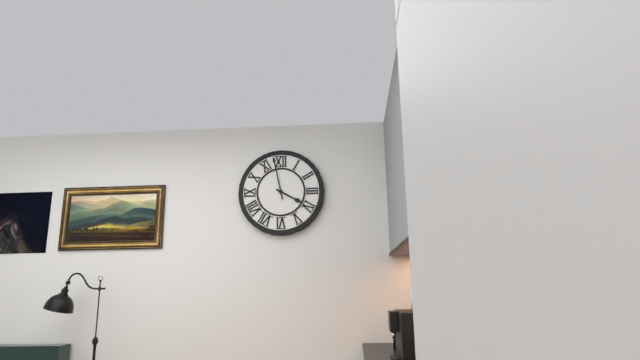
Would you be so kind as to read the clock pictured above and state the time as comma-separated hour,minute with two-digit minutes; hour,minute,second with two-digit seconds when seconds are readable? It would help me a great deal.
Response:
3,58
